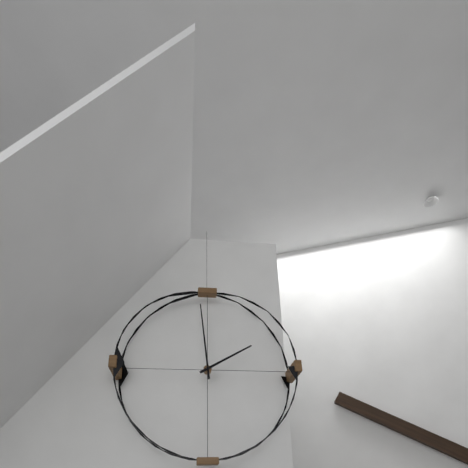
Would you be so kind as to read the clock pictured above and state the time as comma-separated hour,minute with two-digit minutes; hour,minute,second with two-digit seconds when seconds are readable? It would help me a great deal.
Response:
1,59
